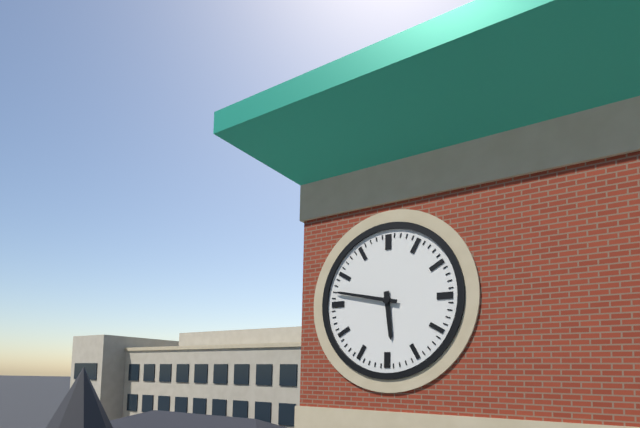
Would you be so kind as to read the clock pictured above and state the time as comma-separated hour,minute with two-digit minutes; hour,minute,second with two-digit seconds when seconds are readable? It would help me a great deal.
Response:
5,47
